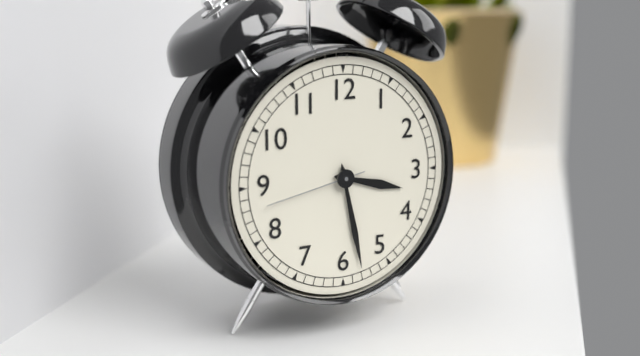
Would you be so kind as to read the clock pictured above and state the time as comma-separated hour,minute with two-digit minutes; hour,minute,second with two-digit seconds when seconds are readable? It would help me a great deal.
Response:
3,28,43
